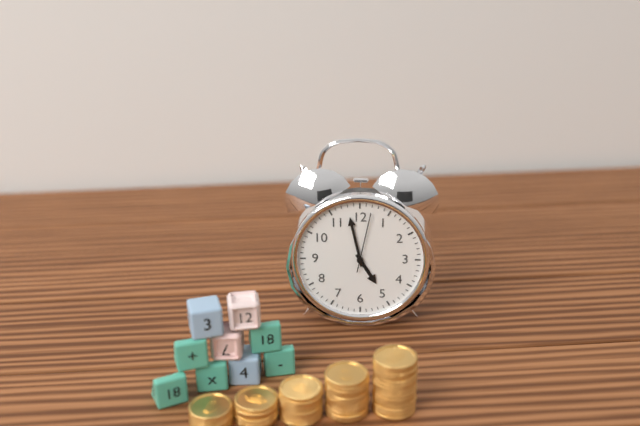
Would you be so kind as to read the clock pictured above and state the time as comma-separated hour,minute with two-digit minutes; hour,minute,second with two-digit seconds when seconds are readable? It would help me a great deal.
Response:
4,58,02
